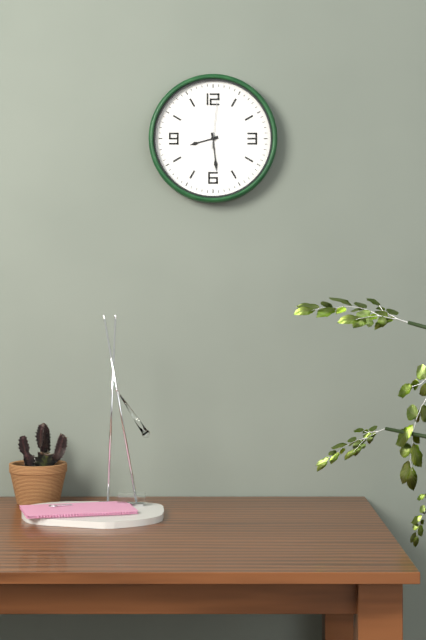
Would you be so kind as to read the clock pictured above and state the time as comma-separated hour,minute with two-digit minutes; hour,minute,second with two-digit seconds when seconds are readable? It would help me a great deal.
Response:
8,29,01
